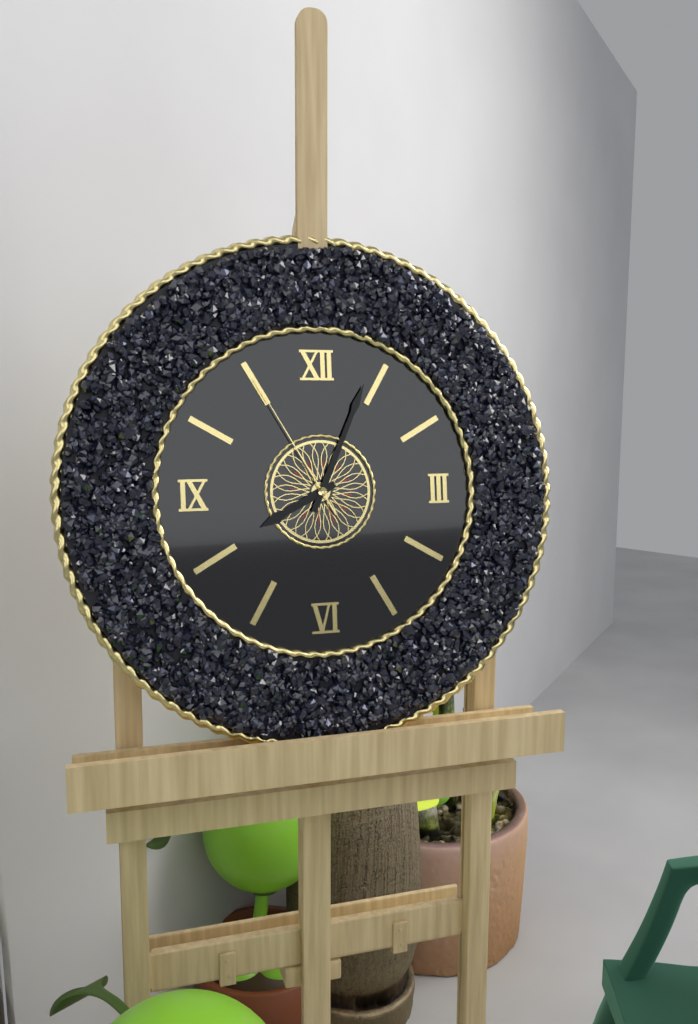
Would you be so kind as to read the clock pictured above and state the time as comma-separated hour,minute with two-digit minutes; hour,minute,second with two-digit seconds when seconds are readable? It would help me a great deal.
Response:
8,04,55
